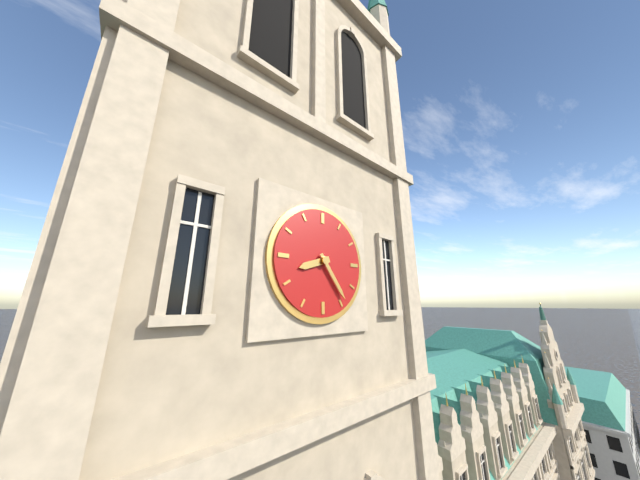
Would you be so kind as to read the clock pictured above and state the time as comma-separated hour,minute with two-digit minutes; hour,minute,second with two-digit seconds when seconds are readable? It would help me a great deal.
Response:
8,24
